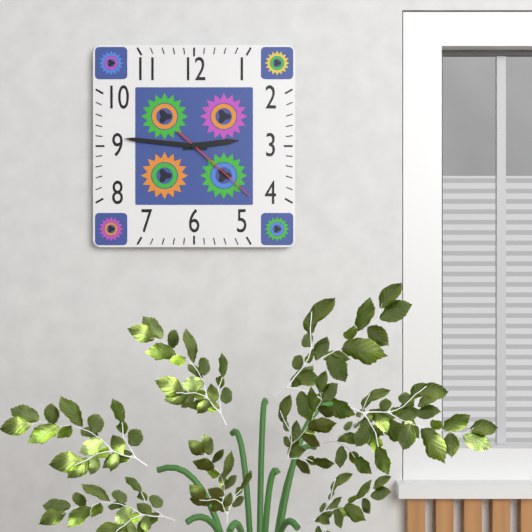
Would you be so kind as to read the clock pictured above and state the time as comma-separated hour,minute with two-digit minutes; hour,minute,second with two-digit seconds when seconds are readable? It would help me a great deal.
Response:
2,46,22
